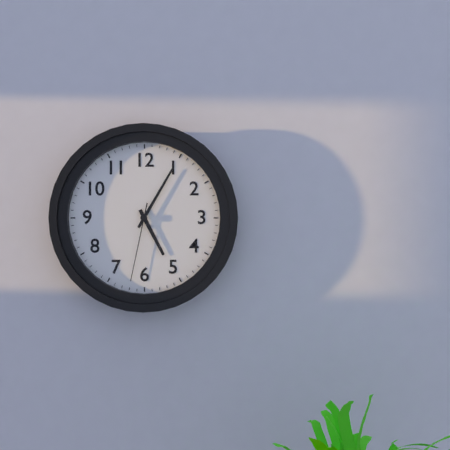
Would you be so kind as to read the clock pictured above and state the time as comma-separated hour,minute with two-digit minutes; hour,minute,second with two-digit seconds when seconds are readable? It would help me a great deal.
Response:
5,05,32
